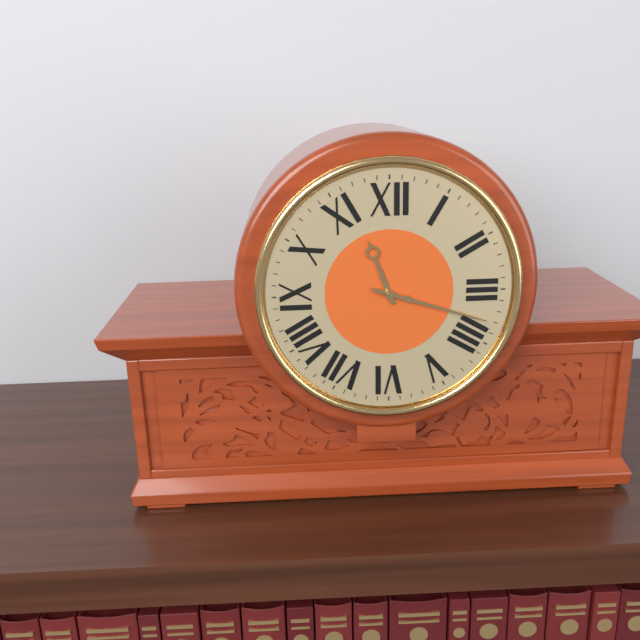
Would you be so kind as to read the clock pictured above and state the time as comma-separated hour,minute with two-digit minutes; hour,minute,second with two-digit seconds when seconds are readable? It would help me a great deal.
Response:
11,18
